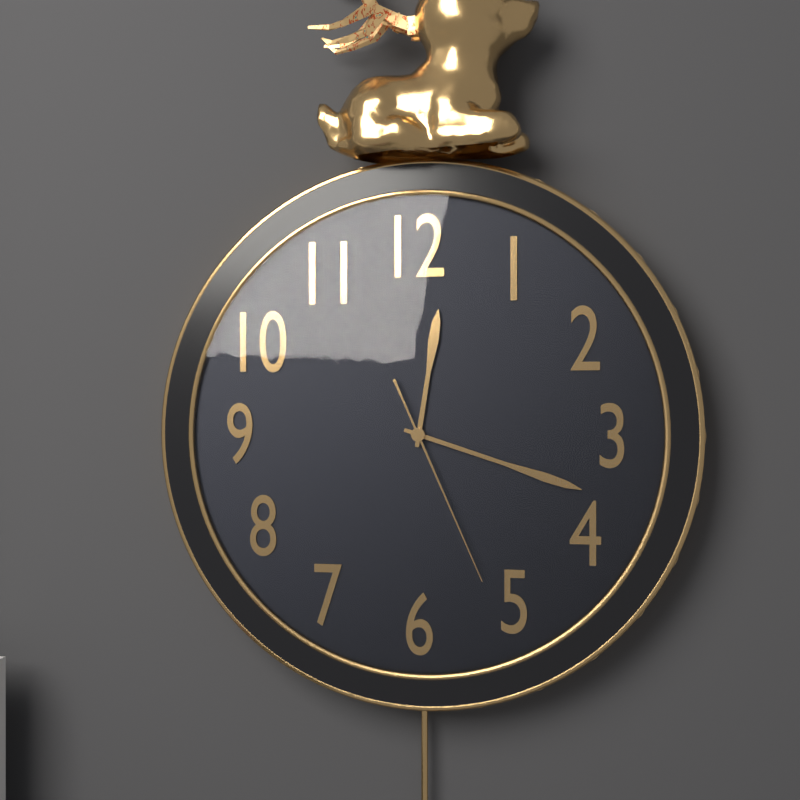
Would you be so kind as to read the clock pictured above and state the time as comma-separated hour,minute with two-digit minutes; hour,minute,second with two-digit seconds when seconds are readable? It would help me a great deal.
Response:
12,18,26
